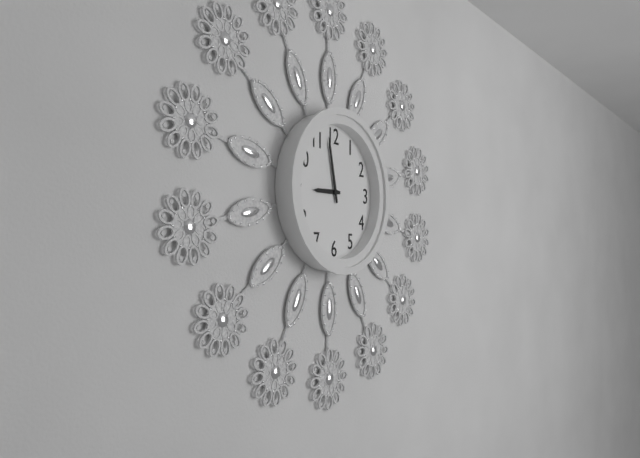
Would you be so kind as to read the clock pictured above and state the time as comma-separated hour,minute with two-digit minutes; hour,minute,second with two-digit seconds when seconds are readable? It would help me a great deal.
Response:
8,58
